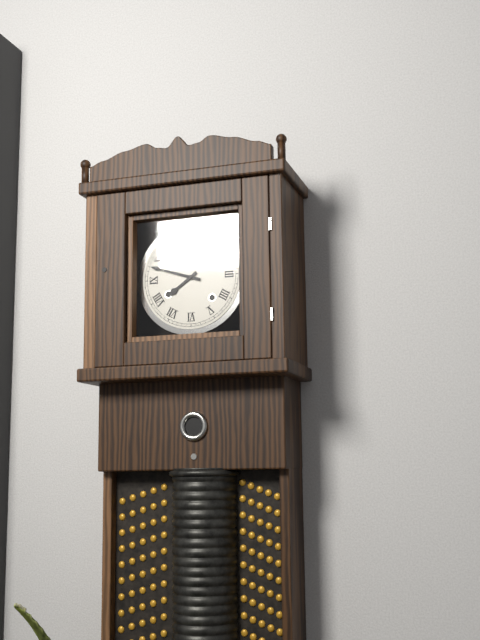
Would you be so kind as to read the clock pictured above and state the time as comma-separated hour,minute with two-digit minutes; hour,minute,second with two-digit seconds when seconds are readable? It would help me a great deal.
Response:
7,48
